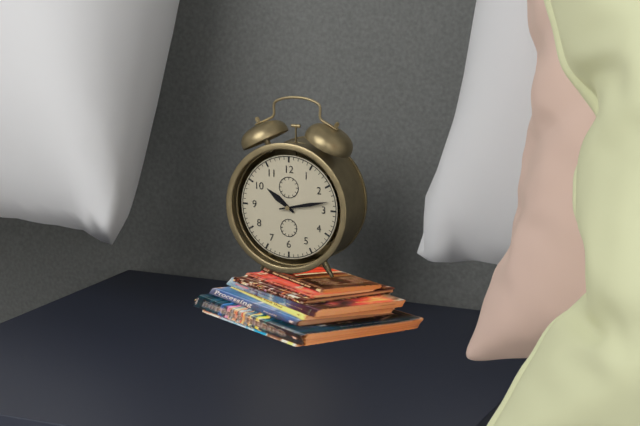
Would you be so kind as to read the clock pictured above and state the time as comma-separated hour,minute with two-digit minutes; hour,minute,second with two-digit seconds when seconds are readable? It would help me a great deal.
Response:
10,13
